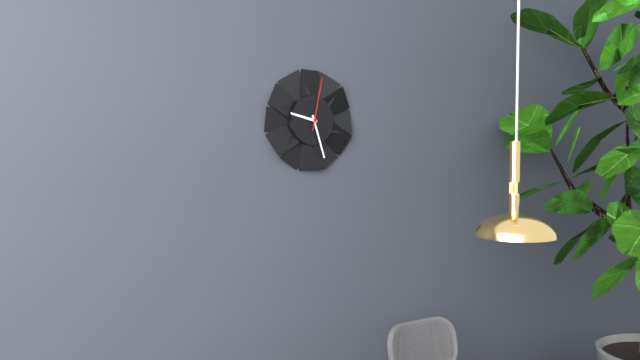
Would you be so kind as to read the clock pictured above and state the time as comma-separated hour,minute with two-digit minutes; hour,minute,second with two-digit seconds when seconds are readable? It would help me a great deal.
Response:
9,27,02
